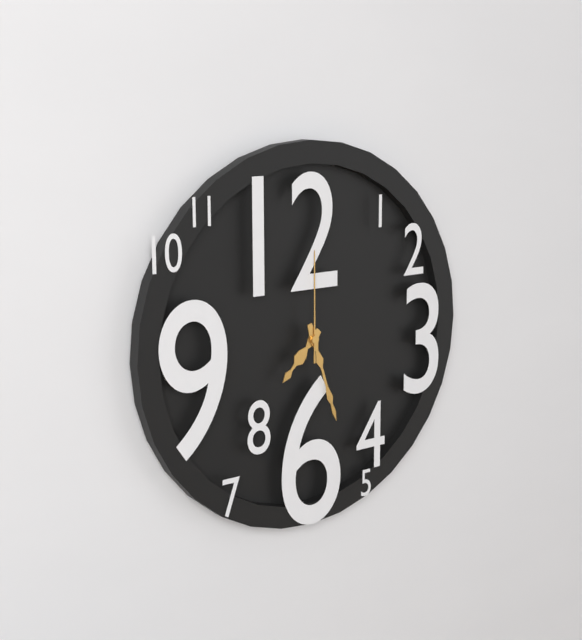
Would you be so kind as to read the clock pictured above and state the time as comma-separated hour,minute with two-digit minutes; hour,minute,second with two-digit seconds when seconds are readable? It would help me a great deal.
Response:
7,27,00
